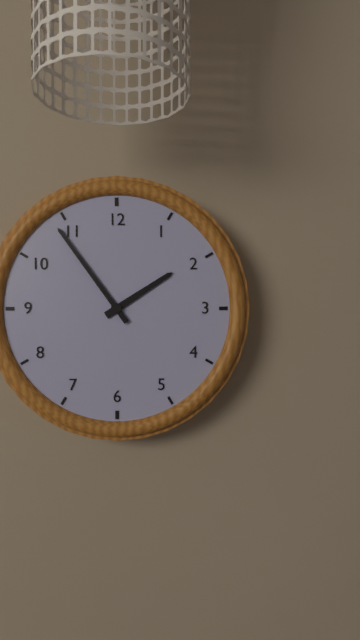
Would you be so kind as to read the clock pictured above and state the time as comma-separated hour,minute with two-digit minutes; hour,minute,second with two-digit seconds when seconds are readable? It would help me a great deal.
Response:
1,54
